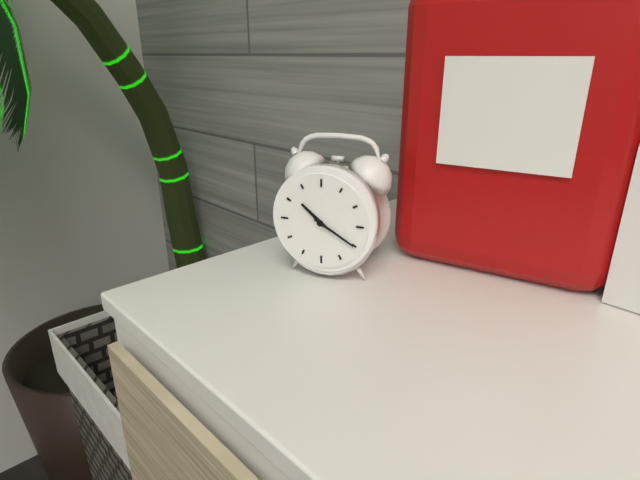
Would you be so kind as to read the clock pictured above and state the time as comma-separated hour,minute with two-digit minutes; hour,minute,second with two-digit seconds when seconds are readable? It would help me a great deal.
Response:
10,20
